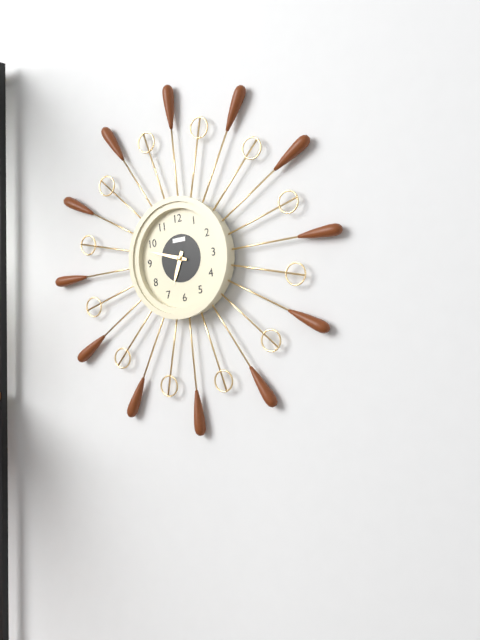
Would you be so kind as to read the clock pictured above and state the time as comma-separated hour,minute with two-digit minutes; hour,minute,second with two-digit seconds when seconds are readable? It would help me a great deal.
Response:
6,48
